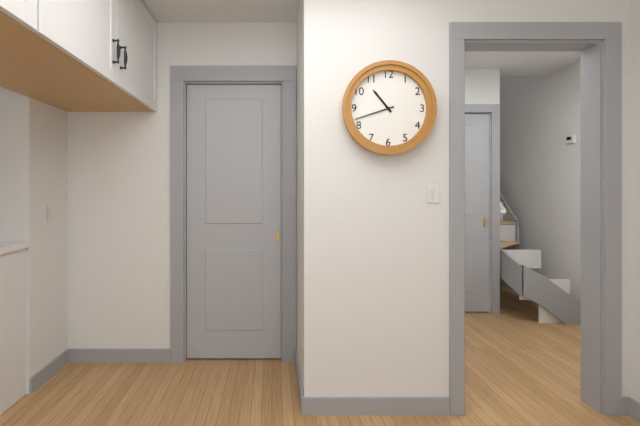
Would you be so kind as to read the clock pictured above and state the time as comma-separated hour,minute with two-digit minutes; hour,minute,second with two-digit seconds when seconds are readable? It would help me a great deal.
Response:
10,42
